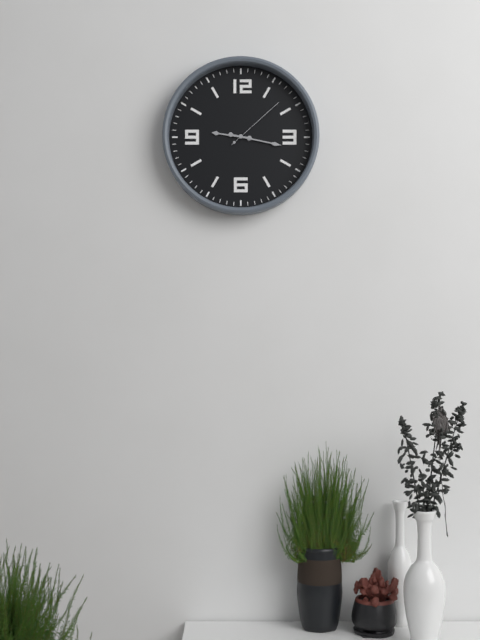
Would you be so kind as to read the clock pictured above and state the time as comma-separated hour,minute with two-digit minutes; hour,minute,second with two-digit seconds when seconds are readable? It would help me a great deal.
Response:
9,17,08
